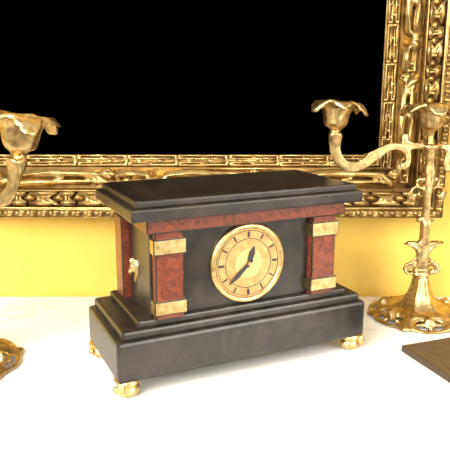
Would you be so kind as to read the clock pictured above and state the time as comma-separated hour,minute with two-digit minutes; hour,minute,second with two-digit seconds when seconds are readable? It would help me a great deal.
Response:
12,38
